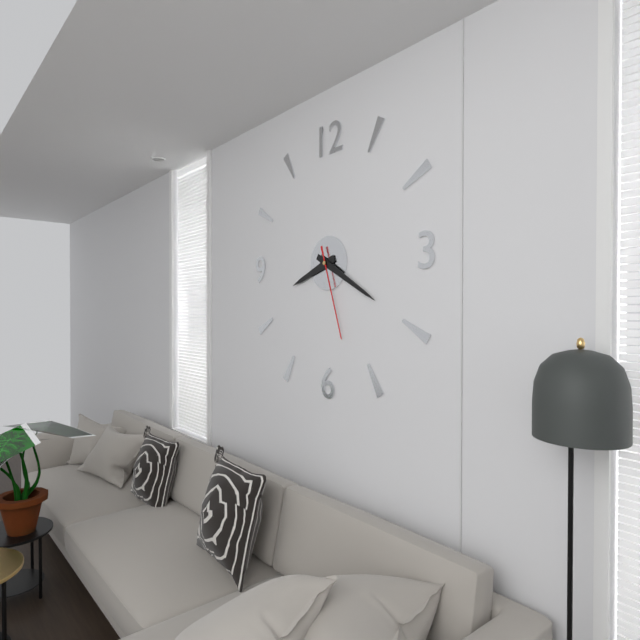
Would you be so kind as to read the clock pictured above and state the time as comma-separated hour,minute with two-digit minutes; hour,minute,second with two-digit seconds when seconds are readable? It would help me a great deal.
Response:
8,20,27
